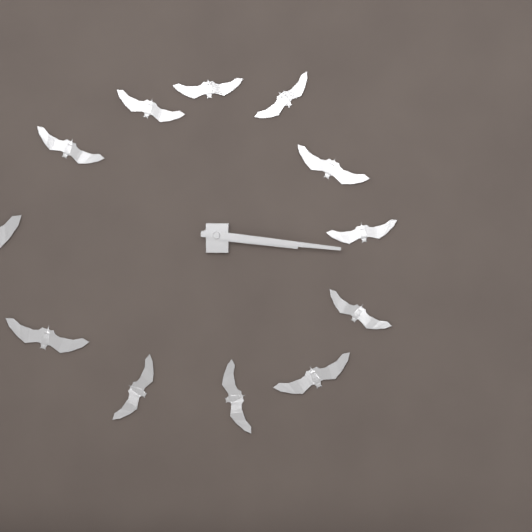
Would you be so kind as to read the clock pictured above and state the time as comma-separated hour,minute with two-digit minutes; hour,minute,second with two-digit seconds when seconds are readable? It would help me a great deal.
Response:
3,16
